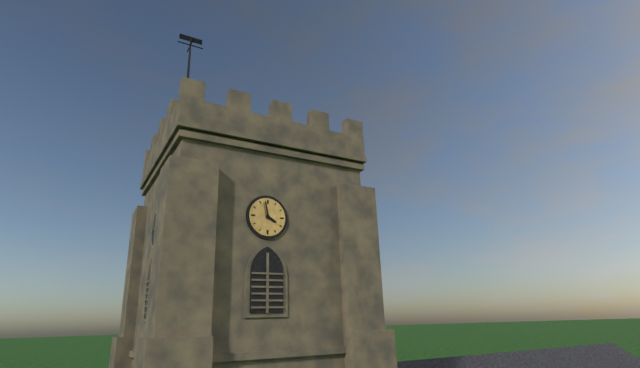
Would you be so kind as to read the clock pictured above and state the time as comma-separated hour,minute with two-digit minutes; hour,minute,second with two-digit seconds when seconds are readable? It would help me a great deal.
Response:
3,58
